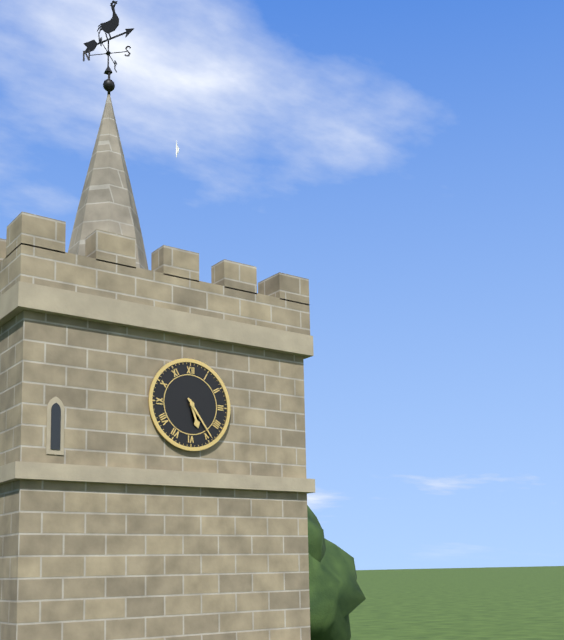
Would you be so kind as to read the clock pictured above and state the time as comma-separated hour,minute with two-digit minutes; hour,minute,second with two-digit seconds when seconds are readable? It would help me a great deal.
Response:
5,24
